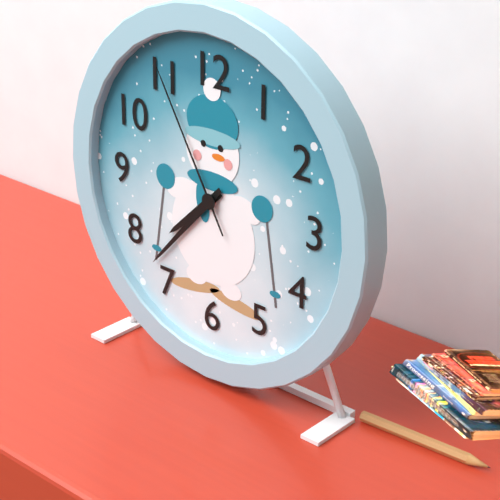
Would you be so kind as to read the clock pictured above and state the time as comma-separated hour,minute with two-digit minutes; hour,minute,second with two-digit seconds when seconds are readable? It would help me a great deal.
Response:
7,37,55
